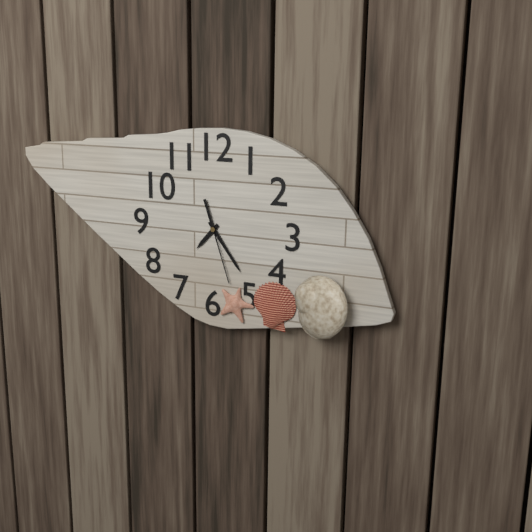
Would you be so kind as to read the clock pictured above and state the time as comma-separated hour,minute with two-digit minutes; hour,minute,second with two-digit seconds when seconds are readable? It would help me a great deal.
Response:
7,24,27
